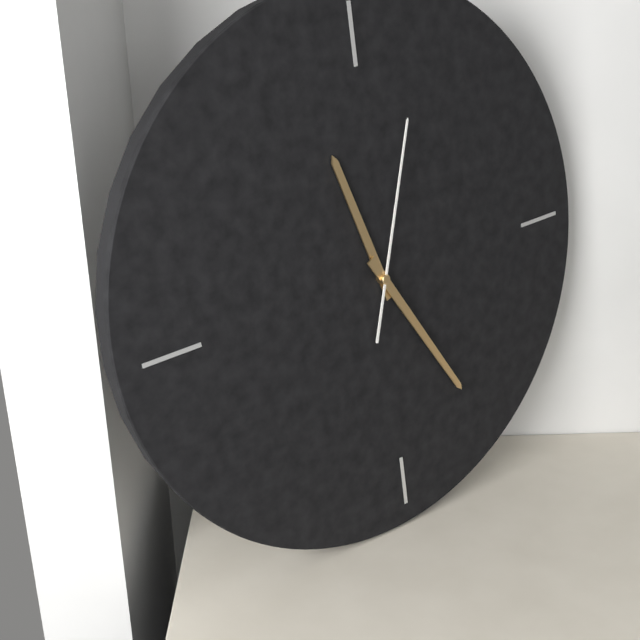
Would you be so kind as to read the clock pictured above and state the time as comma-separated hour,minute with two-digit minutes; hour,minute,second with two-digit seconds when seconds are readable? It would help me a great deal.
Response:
11,25,03
